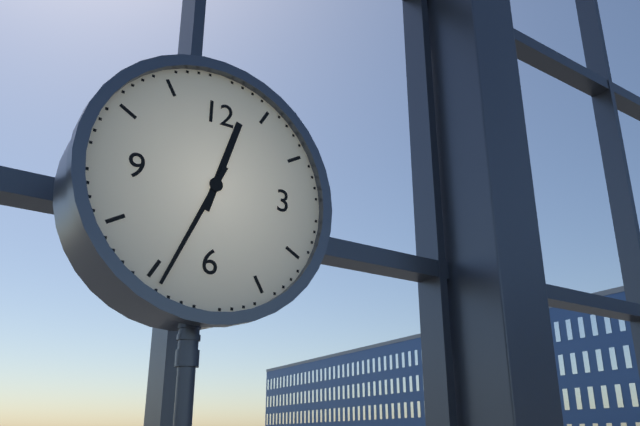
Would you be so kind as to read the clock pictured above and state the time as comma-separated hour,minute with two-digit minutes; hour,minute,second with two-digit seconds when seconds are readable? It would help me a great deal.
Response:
12,34
